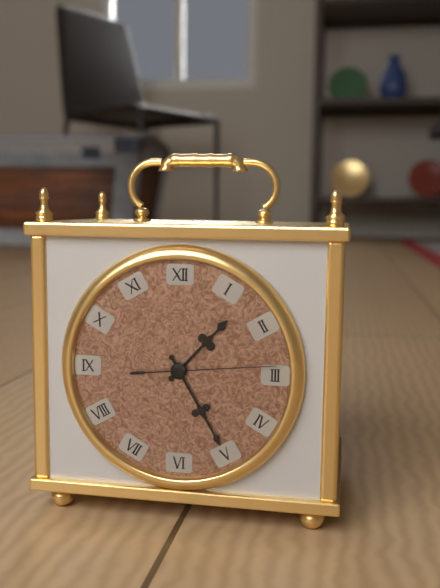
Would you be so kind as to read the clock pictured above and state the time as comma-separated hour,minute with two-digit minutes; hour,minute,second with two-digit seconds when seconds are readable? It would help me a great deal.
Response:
1,25,14
